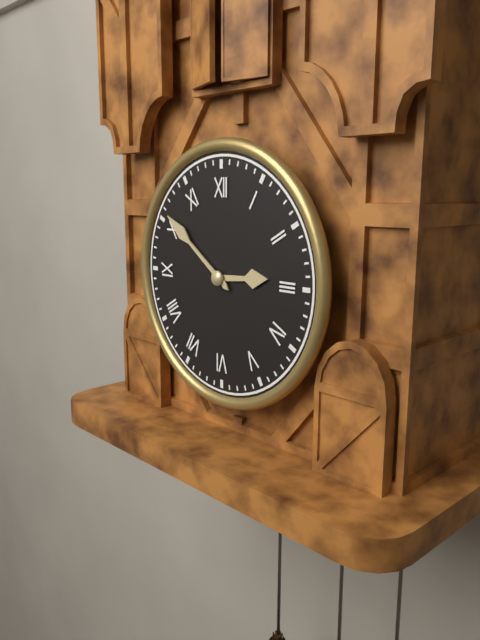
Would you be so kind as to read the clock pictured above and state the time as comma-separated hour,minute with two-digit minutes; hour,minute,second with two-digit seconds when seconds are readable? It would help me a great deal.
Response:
2,51
